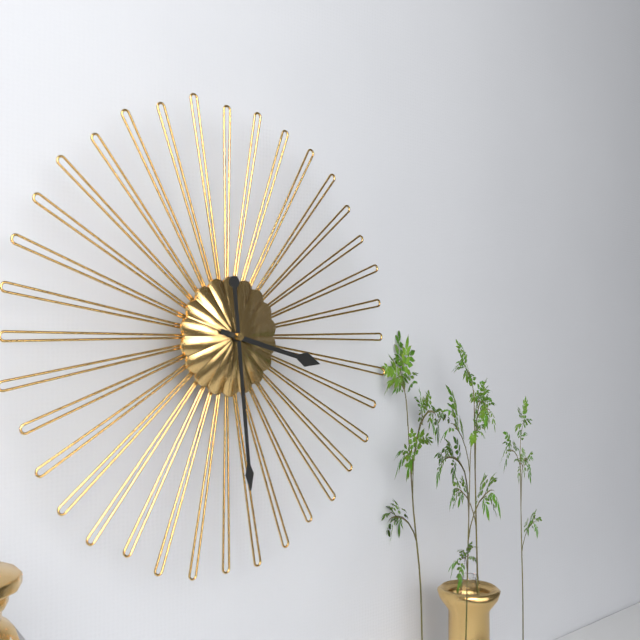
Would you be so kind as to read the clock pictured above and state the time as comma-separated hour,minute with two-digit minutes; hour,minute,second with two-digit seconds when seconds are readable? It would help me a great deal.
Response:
3,29
